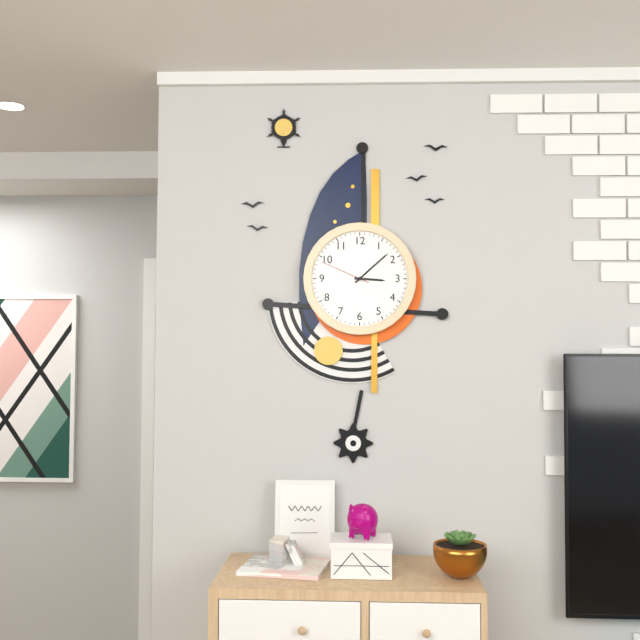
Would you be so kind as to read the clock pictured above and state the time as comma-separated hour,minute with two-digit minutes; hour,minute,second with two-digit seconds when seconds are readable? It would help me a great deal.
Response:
3,08,49
